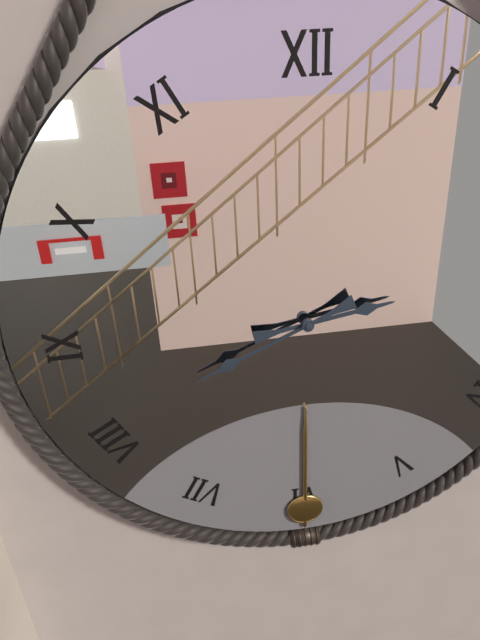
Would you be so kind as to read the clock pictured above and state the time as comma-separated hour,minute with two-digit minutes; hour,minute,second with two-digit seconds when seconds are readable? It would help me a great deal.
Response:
2,41
